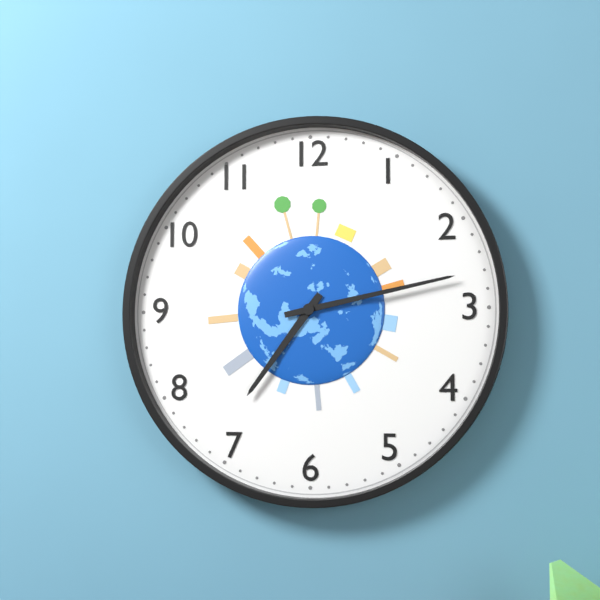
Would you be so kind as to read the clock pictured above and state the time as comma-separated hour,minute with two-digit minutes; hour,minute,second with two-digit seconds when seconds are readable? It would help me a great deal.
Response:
7,13
